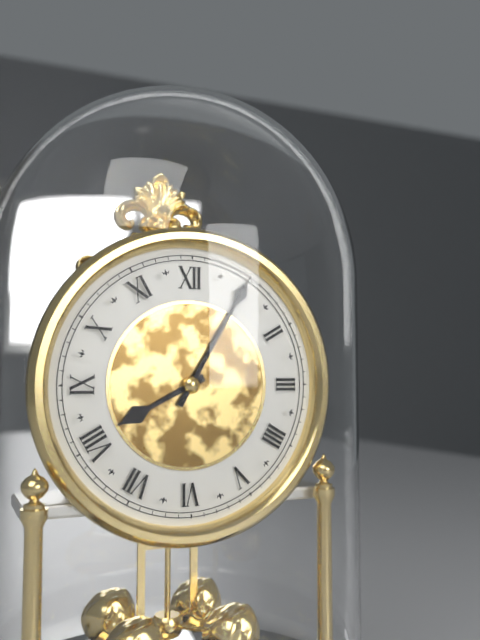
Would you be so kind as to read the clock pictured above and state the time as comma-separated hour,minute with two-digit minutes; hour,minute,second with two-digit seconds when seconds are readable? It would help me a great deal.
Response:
8,05
